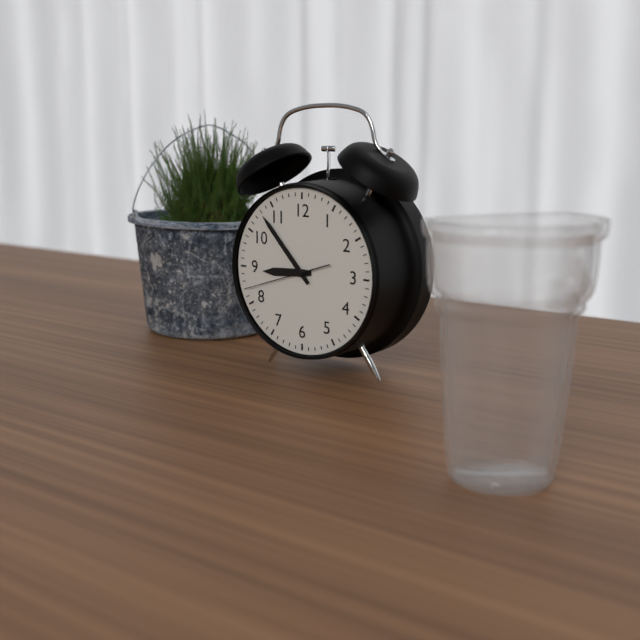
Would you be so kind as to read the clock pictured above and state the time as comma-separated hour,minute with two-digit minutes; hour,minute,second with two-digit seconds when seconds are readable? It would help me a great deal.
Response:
8,53,42
